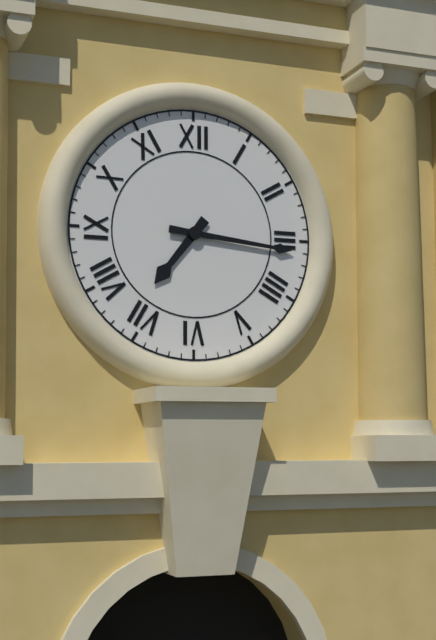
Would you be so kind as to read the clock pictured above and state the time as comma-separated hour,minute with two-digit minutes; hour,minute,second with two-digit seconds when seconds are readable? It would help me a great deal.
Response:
7,16
